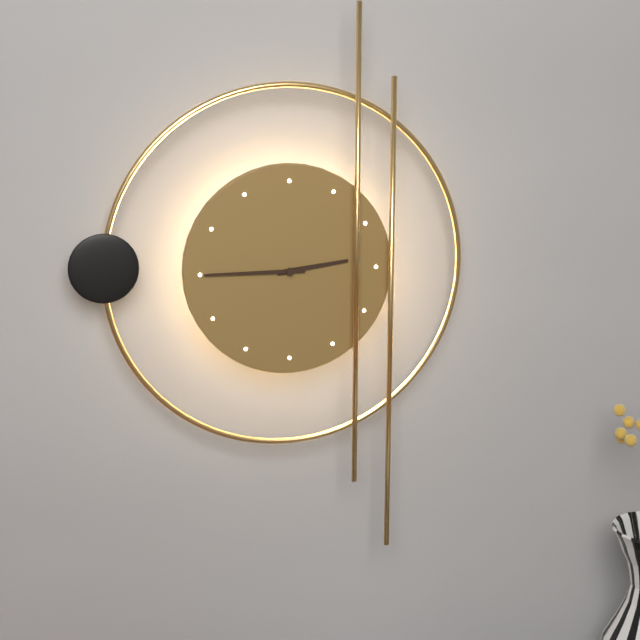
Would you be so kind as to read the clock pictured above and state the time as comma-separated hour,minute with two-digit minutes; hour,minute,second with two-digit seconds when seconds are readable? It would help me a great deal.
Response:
2,45
